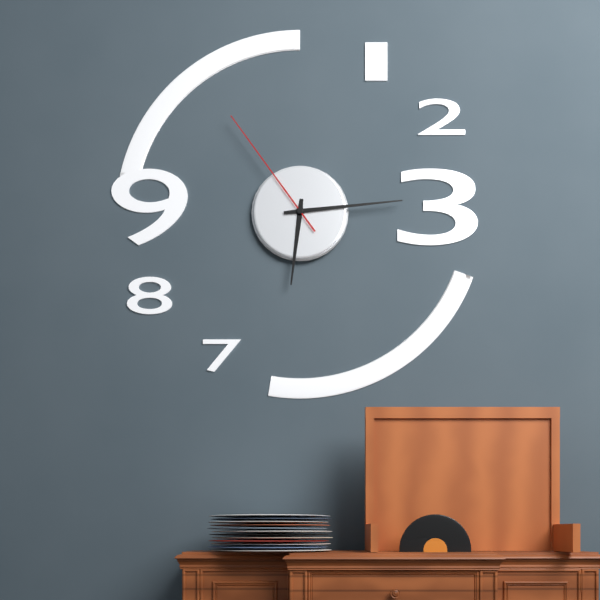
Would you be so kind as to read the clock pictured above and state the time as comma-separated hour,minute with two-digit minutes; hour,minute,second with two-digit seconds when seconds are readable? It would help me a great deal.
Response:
6,14,54
